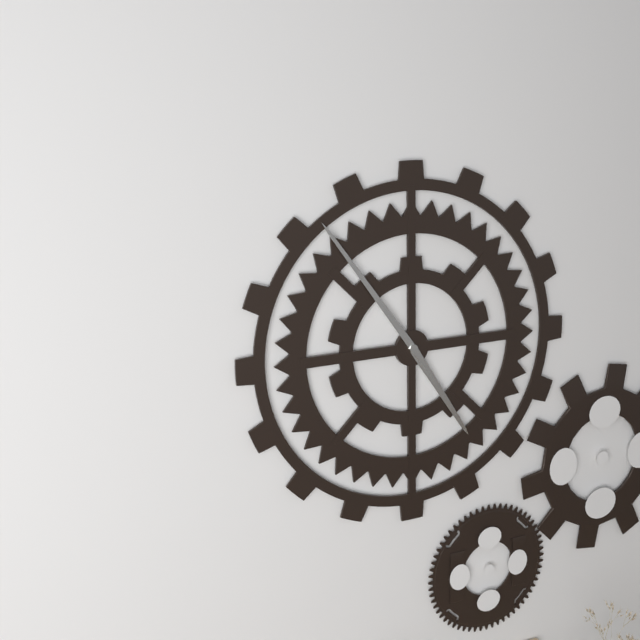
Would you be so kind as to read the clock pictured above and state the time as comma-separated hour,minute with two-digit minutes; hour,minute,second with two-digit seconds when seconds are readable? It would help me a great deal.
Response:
4,54
